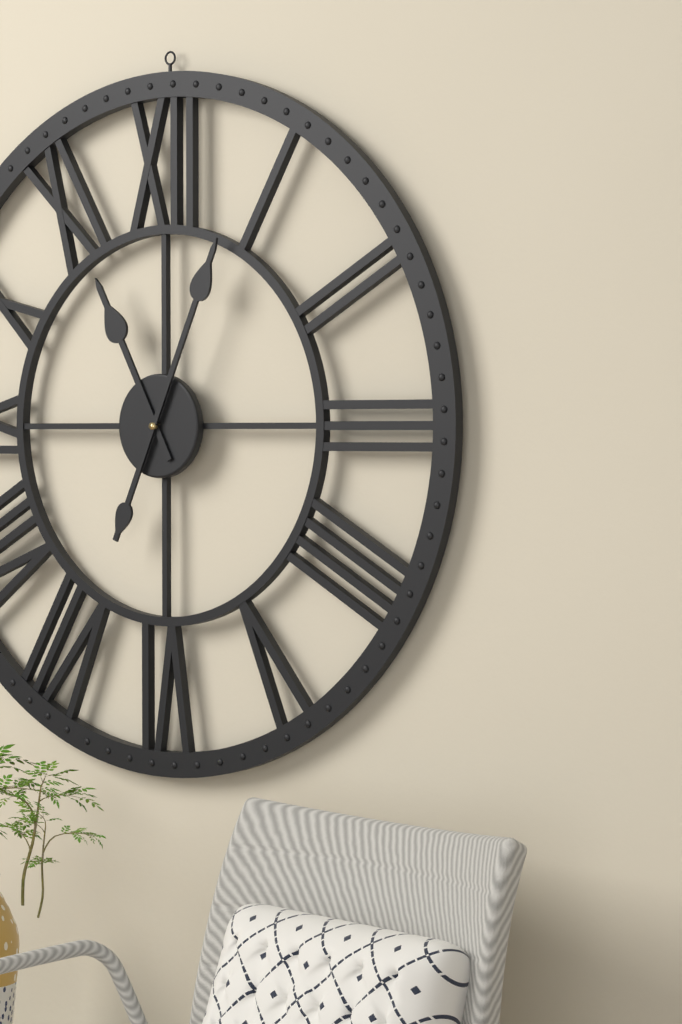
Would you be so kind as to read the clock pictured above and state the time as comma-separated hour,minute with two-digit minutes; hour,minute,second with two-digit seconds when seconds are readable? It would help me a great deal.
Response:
11,04
